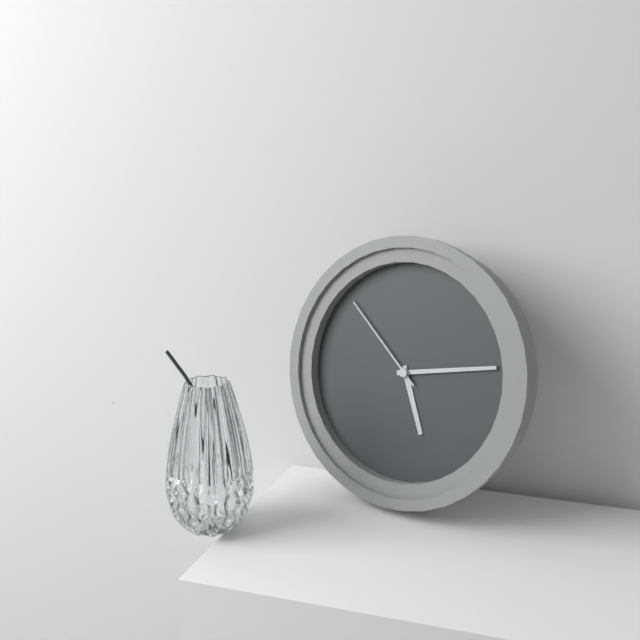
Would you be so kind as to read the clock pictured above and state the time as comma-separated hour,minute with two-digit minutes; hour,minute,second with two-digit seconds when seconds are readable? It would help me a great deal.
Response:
5,13,52
